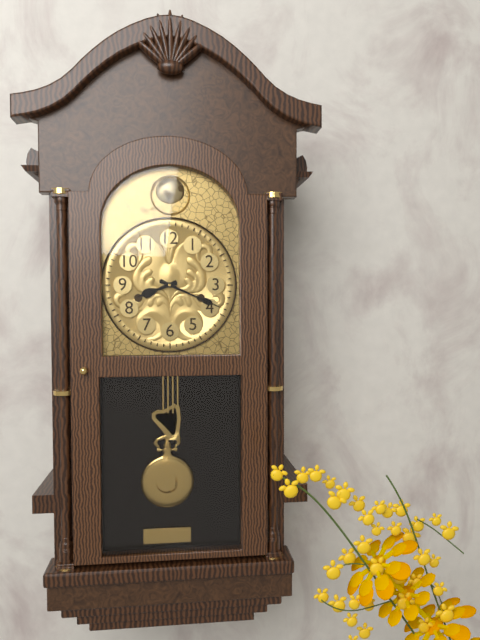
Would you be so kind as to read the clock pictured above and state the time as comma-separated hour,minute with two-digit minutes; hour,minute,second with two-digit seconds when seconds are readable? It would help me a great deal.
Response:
8,19
